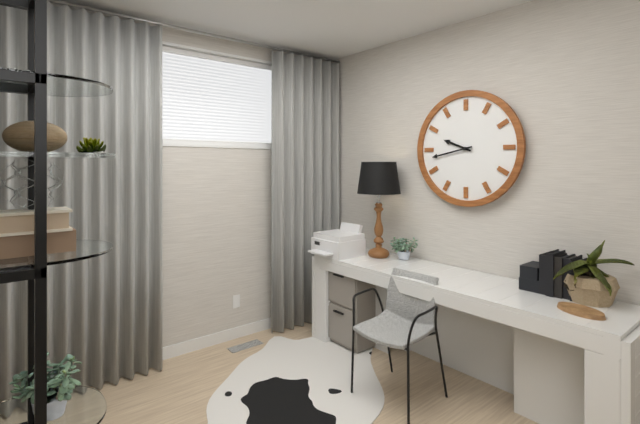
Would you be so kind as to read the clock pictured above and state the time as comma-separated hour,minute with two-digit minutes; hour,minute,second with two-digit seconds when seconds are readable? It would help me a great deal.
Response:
9,43
